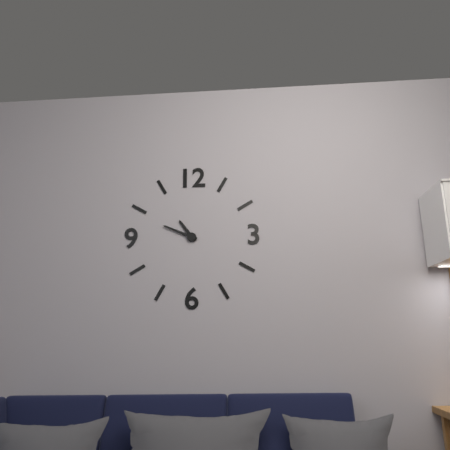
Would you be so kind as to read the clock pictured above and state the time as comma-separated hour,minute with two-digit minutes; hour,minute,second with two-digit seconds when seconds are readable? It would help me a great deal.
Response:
10,49
